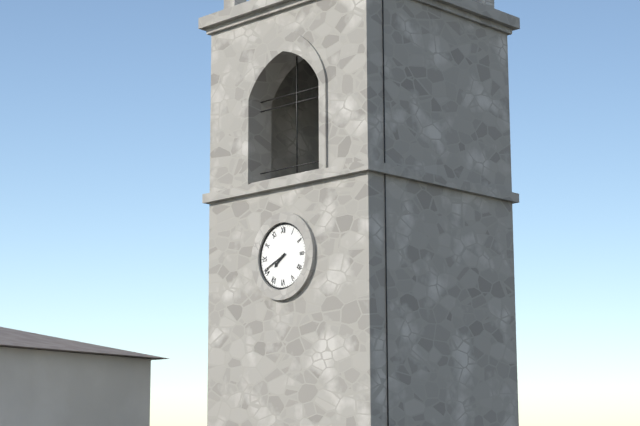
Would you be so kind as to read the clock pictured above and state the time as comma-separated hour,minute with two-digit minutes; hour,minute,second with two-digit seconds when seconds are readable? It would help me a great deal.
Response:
7,41
